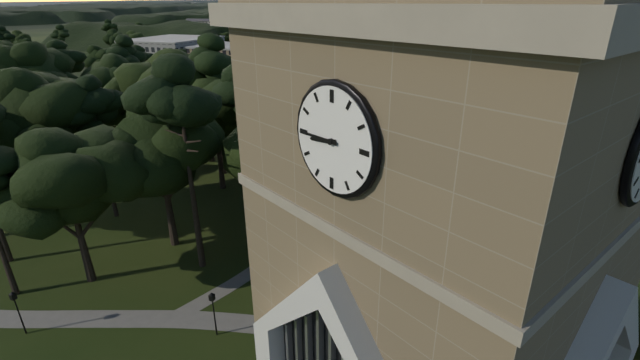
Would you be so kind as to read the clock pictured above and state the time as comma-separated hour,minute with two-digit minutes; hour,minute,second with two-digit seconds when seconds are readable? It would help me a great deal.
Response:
8,45
